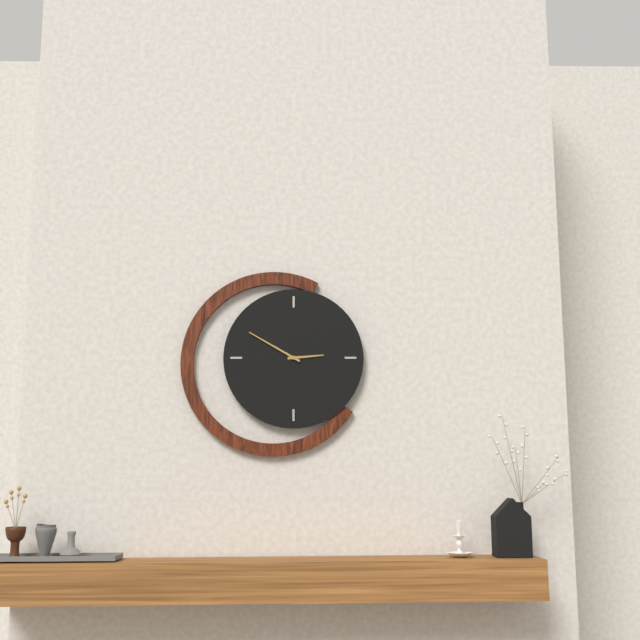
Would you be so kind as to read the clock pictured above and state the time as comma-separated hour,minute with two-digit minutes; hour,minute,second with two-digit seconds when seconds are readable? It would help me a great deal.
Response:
2,50
